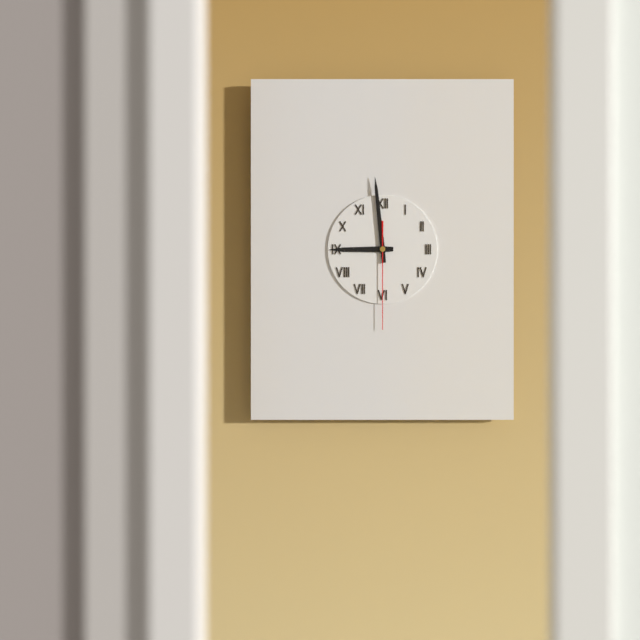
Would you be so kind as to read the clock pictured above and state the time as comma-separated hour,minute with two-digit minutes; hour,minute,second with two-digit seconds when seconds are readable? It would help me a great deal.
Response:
8,59,30
